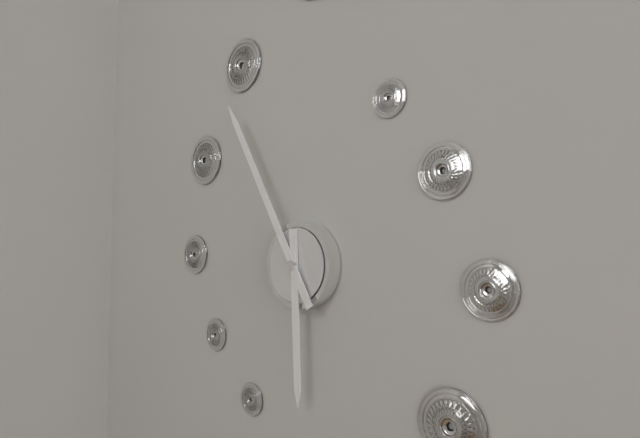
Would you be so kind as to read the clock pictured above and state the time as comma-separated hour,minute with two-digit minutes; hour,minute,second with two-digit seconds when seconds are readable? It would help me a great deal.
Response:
5,55
